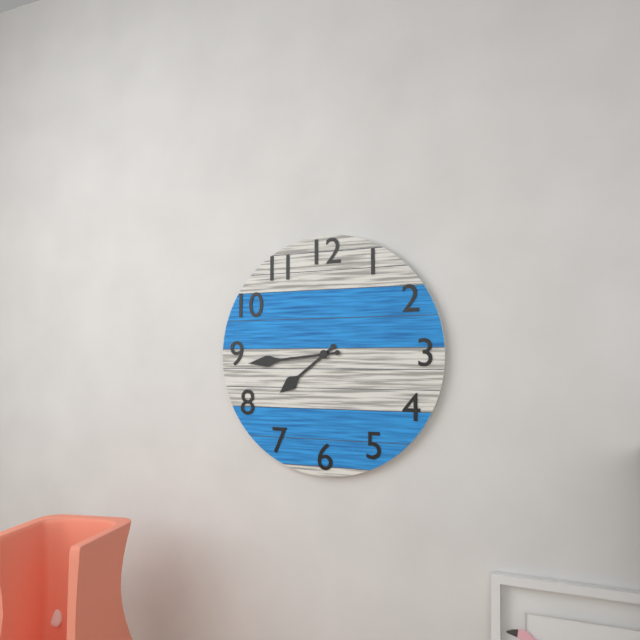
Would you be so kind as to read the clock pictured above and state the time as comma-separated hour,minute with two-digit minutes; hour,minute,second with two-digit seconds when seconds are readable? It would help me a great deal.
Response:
7,44
